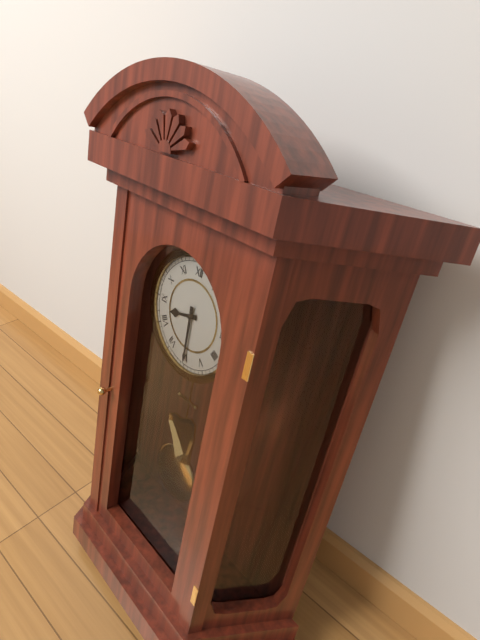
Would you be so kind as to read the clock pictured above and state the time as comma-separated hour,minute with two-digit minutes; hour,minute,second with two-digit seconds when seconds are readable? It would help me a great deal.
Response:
8,30
